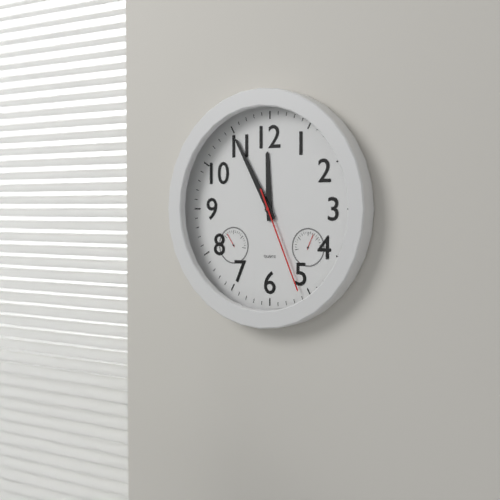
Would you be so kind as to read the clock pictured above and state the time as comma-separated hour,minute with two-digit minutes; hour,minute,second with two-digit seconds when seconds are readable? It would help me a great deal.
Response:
11,55,26
